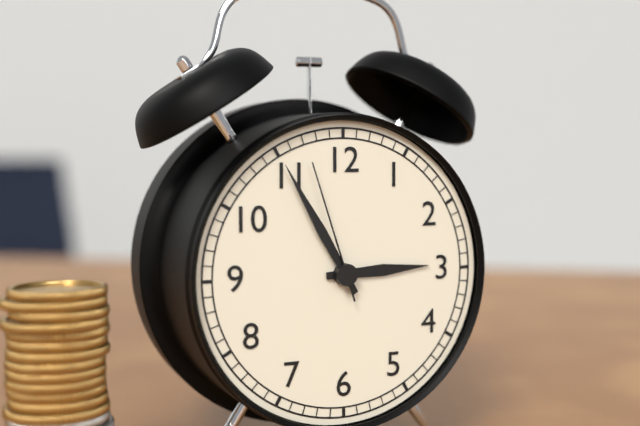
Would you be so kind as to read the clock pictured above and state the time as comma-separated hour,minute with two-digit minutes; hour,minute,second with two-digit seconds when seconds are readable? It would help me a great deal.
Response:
2,55,57
